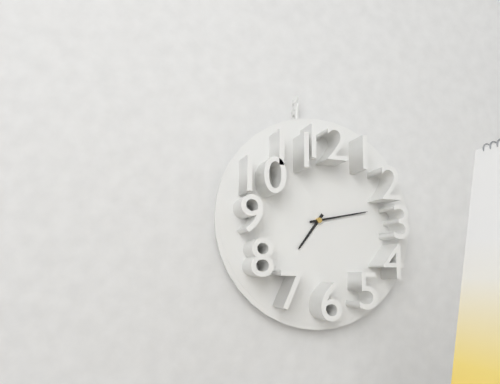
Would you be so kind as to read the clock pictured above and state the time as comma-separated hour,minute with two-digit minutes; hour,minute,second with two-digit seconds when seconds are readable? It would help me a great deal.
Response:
7,13
